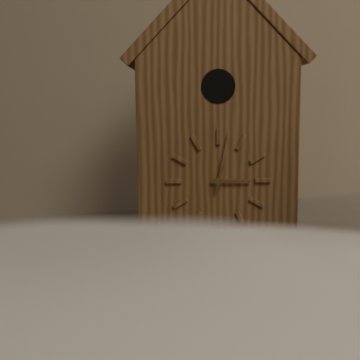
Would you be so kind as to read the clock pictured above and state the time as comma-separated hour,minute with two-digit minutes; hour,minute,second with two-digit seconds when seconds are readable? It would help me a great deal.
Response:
3,02
